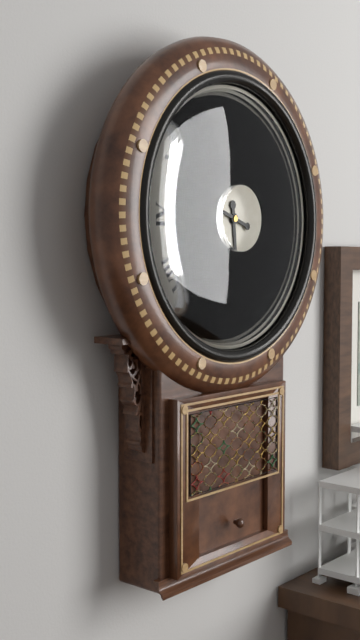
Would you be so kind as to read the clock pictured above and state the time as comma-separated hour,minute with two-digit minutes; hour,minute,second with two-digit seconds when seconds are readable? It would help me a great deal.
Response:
5,48
